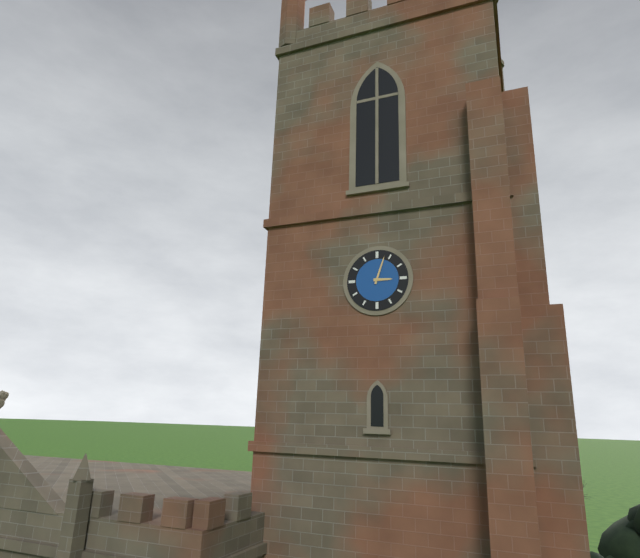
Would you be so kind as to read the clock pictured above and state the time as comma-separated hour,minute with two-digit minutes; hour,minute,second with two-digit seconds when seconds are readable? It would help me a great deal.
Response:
3,03
